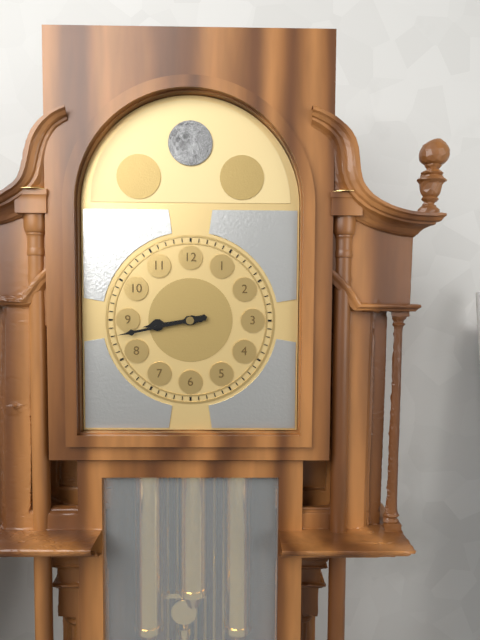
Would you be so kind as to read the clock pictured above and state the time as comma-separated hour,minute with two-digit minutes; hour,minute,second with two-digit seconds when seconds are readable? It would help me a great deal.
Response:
8,43
